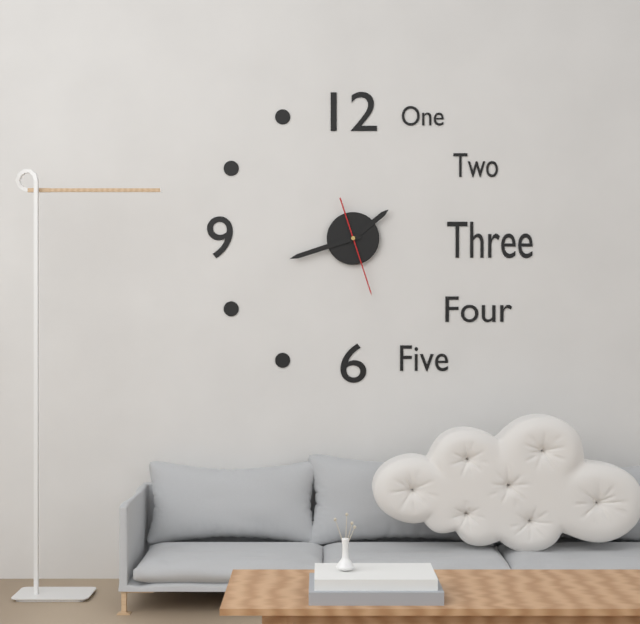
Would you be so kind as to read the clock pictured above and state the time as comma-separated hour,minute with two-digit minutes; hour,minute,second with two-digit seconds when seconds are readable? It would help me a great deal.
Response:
1,42,27
